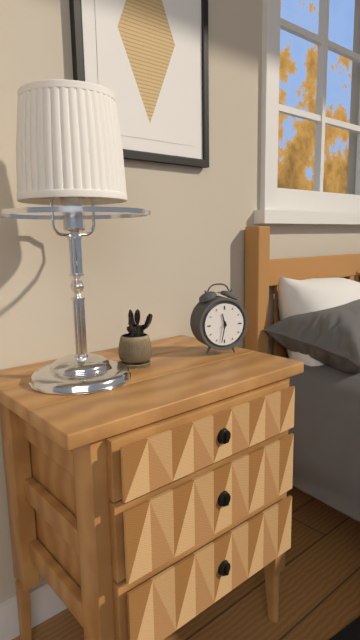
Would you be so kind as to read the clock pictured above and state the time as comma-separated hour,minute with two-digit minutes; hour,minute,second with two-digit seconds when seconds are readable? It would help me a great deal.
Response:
11,32
